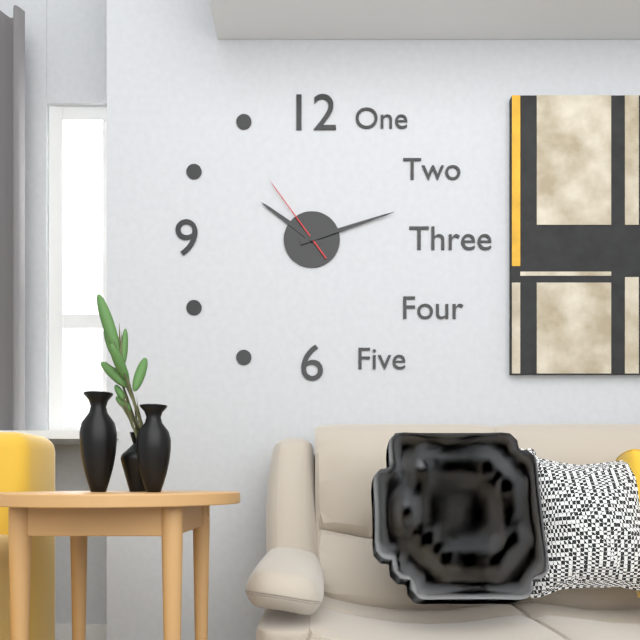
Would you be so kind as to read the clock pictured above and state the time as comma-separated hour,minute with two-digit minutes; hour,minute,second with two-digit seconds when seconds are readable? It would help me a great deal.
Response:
10,12,54
